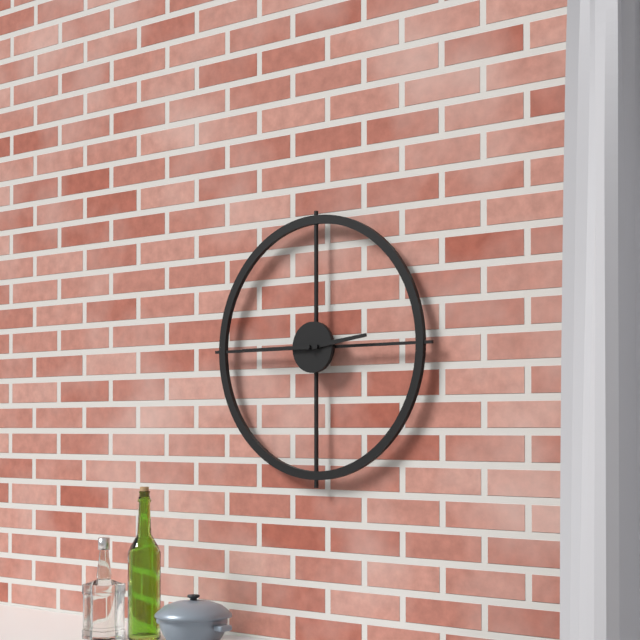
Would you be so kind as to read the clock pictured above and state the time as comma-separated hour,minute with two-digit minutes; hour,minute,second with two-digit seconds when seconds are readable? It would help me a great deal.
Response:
2,45
